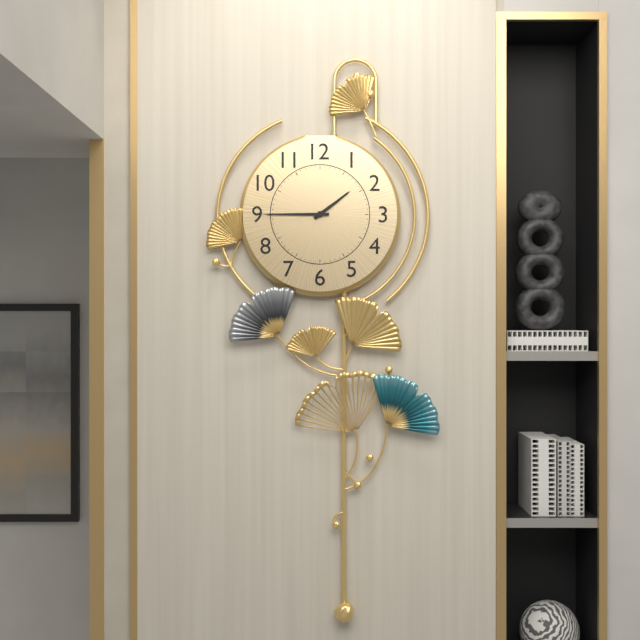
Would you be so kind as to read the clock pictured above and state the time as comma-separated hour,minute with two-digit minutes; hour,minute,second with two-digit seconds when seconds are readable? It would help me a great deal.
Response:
1,45
